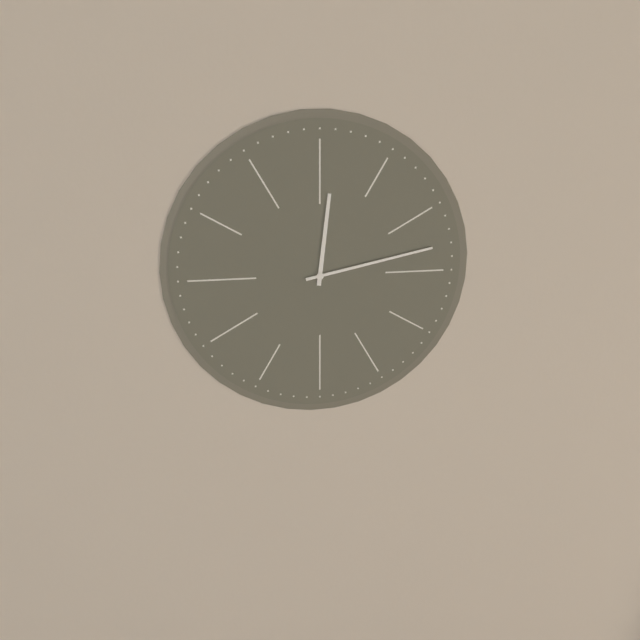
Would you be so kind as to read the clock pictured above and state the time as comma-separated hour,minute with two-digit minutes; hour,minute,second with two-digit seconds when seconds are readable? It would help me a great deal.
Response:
12,13
